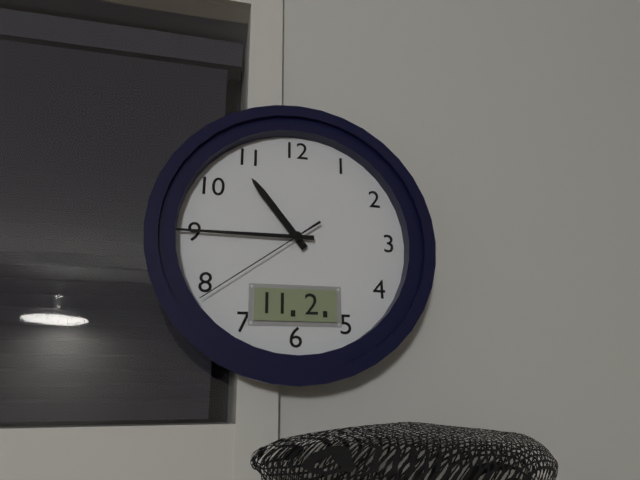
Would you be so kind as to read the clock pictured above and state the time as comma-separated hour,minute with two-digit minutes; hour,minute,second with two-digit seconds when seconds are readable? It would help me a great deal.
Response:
10,45,39
